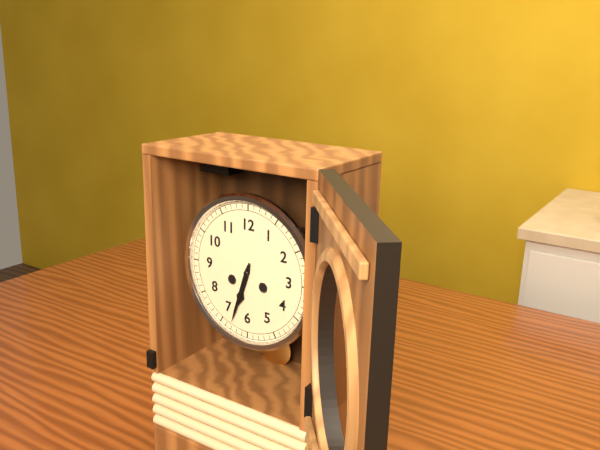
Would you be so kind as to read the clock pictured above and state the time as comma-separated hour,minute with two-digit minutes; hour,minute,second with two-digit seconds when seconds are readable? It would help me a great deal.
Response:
6,33
